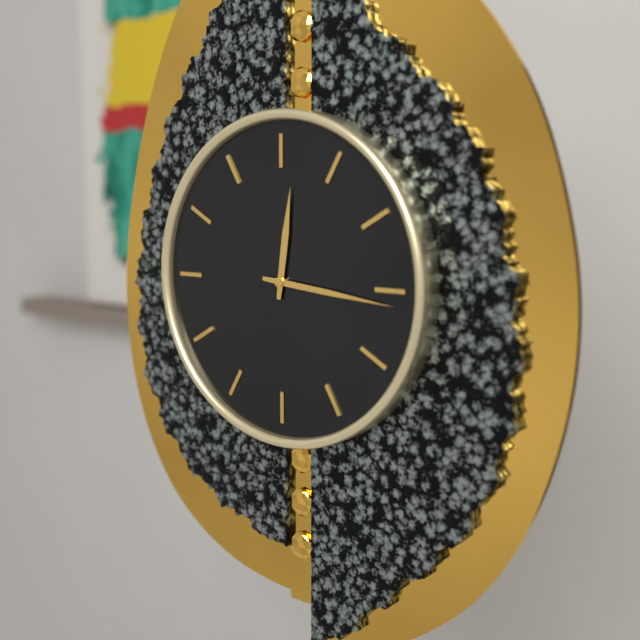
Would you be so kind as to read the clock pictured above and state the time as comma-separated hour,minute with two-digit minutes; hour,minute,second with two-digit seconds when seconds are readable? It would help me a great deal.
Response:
12,16
